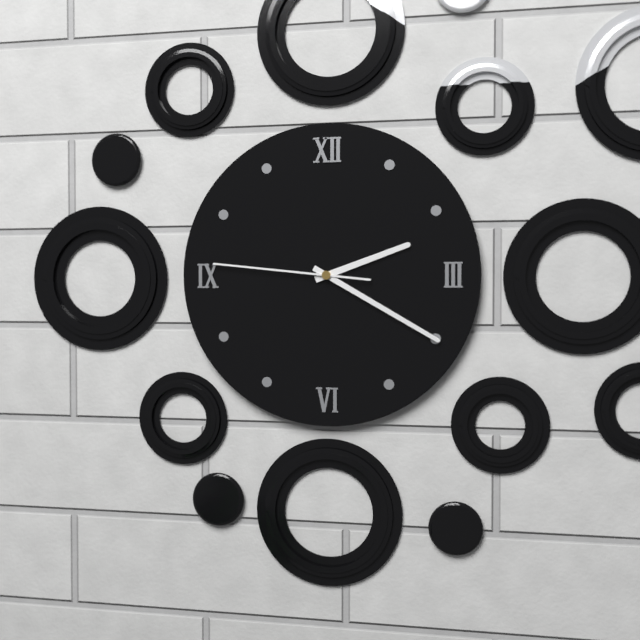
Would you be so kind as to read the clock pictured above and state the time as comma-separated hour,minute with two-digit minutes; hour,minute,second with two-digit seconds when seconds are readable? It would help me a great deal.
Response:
2,20,46
